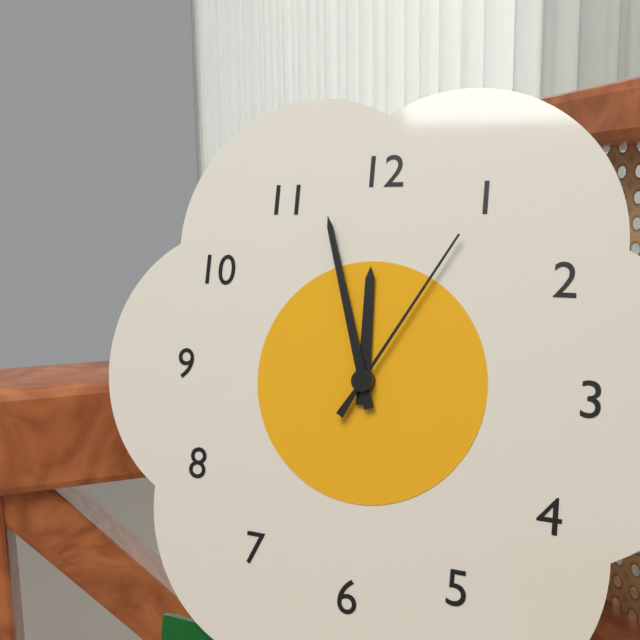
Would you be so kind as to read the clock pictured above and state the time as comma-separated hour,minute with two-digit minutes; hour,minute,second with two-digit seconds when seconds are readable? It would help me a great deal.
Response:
11,57,05
